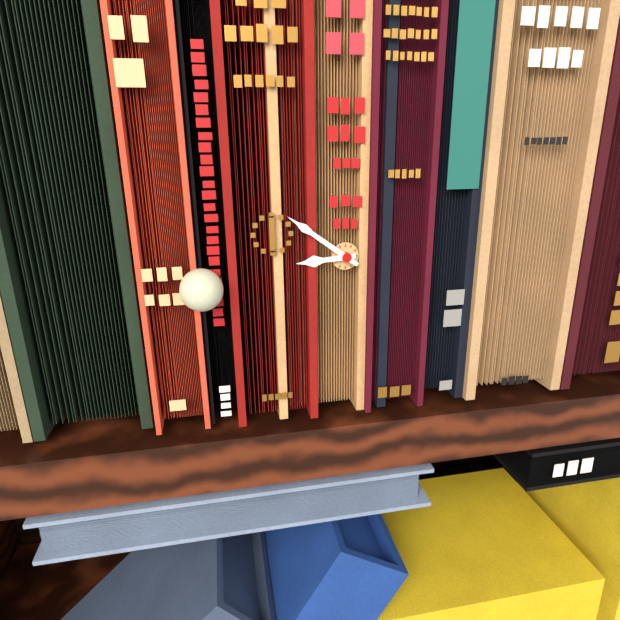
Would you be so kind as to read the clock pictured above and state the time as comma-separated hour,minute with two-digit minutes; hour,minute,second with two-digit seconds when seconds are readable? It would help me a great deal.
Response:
8,51
